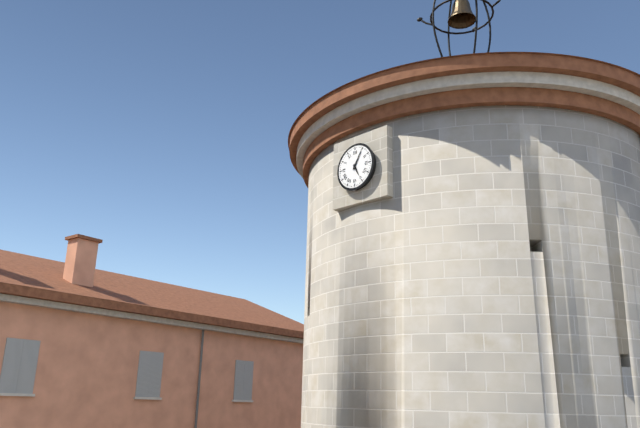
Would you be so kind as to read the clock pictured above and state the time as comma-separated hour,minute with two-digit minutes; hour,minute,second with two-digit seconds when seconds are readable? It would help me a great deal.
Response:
5,05
